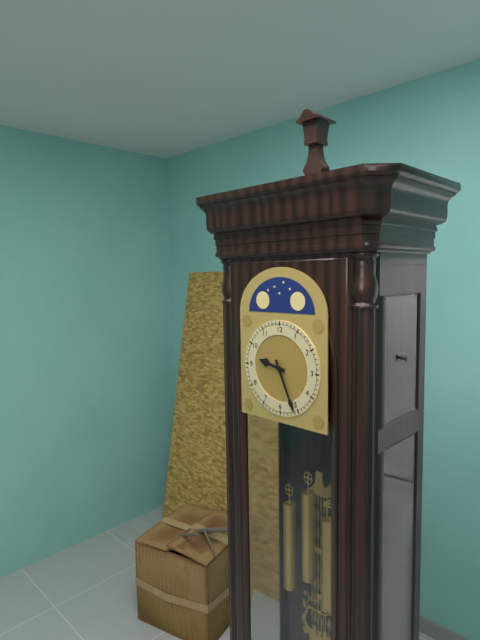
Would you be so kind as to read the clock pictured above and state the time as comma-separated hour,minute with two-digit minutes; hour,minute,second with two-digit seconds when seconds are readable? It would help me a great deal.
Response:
9,26
